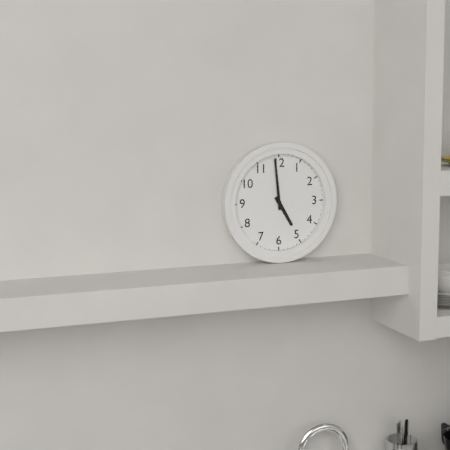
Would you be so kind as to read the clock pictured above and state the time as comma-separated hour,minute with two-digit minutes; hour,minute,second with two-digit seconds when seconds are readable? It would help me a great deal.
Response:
4,59
